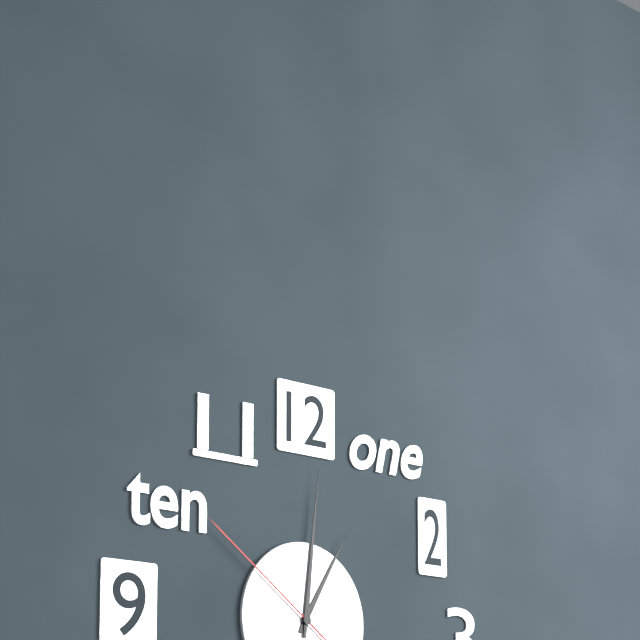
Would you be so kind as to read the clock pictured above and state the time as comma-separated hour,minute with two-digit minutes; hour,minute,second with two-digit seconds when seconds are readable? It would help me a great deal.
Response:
1,01,51
